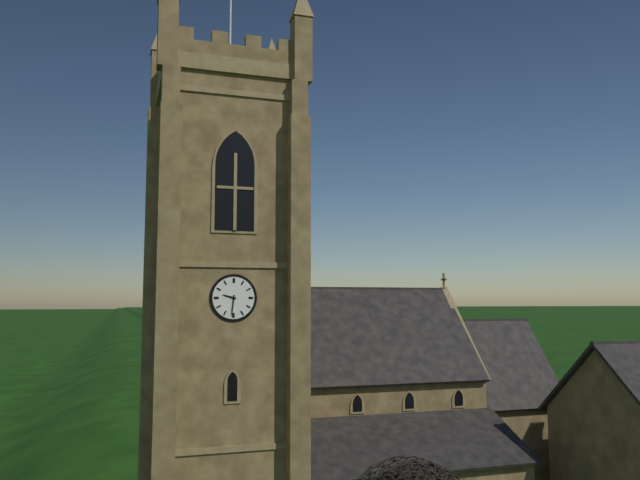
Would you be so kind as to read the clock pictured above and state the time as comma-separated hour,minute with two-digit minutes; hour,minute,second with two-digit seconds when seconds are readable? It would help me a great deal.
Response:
9,31
